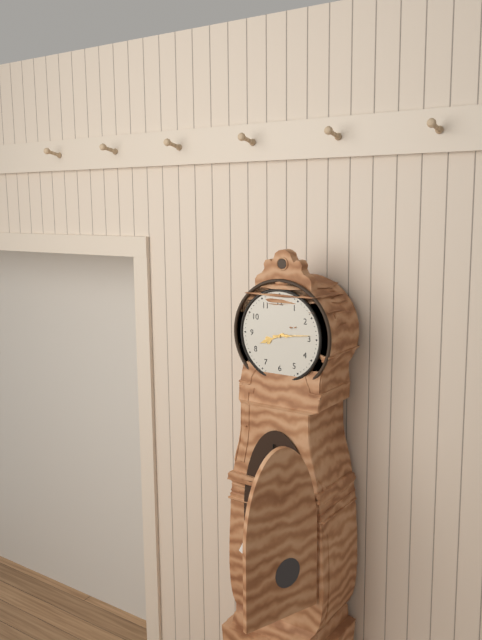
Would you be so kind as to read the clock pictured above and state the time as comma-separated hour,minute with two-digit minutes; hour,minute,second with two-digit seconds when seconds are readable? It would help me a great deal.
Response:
8,14
